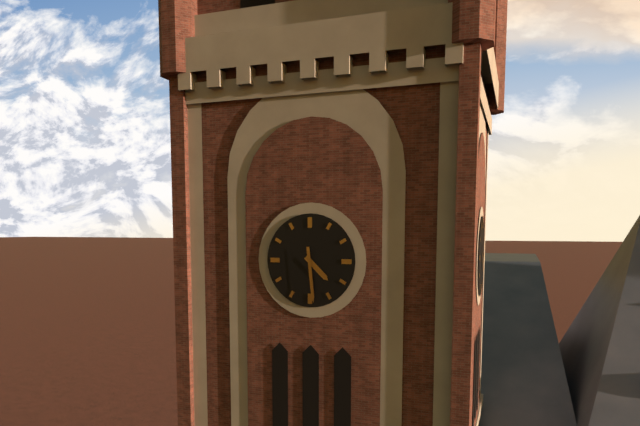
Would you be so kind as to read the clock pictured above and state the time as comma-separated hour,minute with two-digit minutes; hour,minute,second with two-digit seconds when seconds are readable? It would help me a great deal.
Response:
4,29
